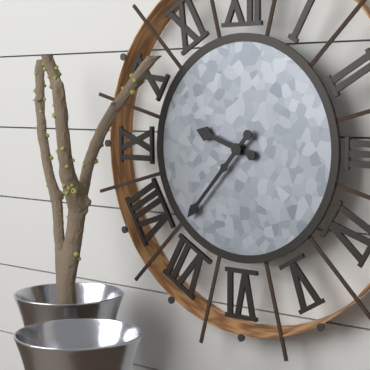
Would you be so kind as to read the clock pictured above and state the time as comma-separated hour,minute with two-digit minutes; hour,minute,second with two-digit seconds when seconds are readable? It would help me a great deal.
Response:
9,37
